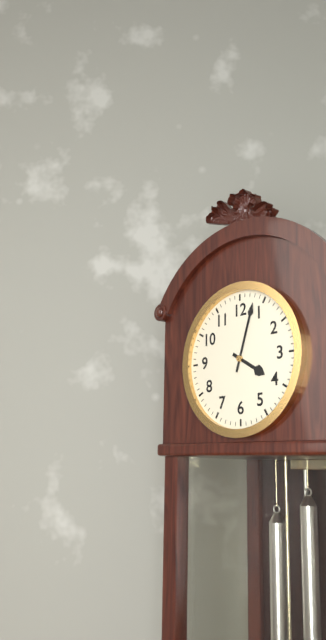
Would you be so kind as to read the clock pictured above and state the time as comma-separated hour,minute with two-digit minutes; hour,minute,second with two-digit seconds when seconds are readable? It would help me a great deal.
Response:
4,03
